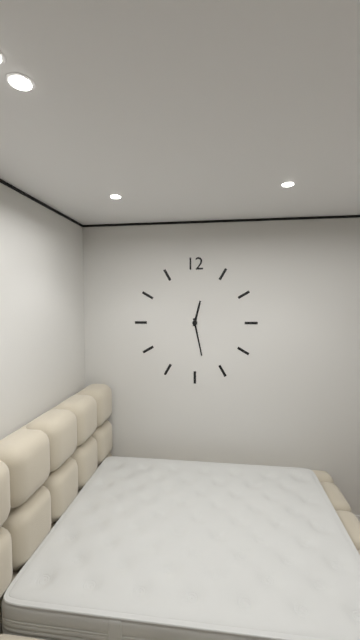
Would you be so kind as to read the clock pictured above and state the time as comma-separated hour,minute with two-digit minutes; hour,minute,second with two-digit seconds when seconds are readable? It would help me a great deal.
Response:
12,28
